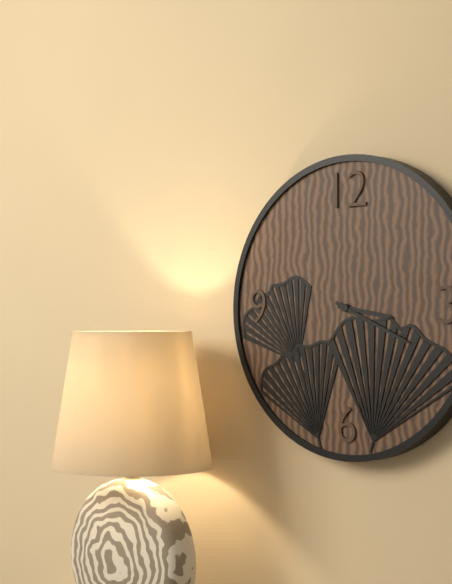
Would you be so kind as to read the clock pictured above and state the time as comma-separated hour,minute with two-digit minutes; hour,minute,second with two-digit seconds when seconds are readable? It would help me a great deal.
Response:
3,19
